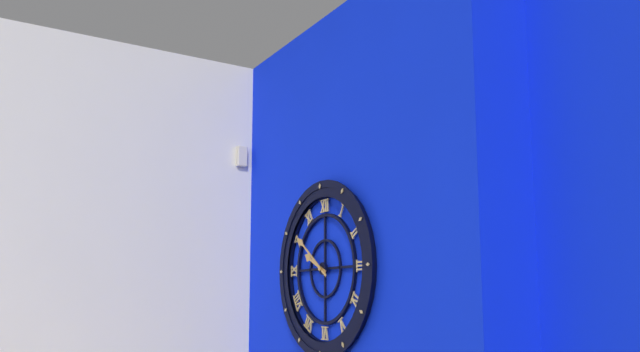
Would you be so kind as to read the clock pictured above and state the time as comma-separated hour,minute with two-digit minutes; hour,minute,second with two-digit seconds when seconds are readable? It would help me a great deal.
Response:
9,51
